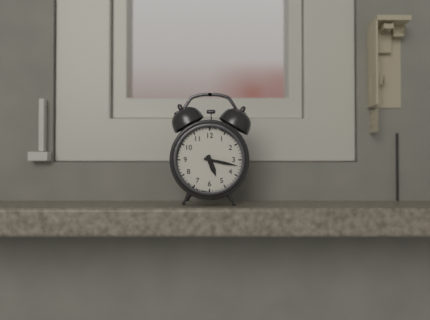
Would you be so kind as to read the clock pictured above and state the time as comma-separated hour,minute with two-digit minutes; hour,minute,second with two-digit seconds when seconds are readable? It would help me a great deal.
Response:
5,17
